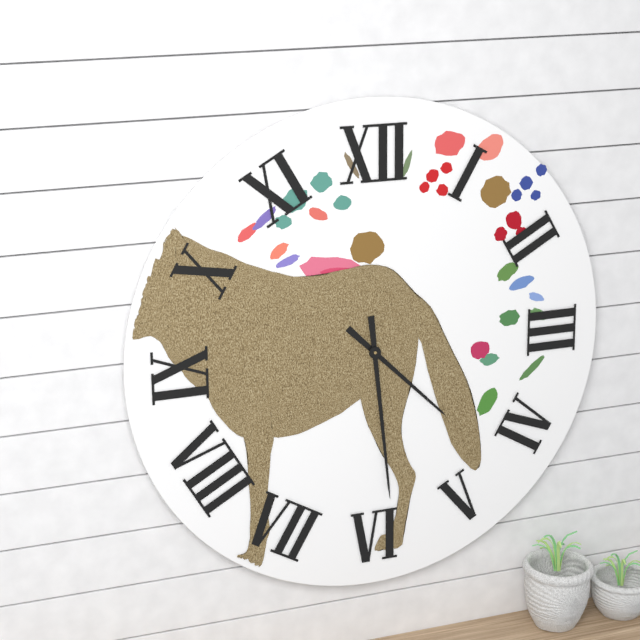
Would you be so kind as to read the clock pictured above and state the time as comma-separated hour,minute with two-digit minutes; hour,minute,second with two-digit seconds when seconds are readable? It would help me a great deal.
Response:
4,29
